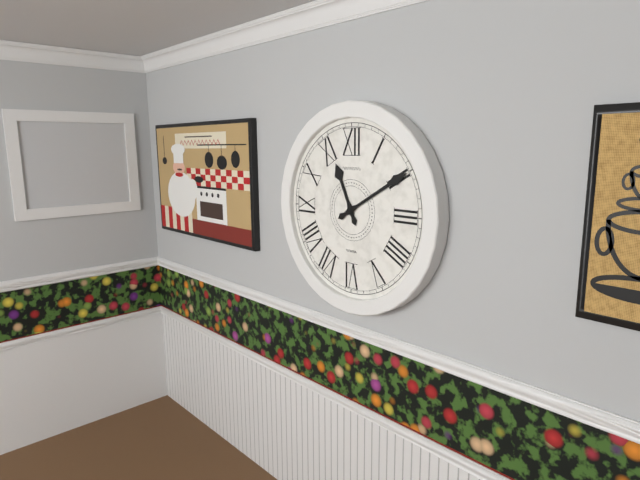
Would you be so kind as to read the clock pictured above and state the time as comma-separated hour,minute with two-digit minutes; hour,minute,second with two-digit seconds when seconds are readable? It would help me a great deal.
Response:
11,10
